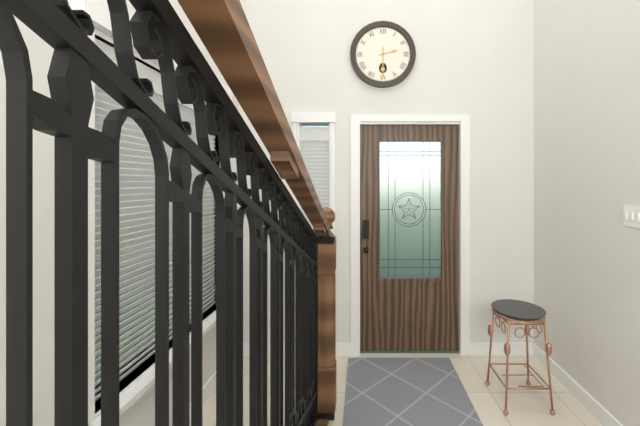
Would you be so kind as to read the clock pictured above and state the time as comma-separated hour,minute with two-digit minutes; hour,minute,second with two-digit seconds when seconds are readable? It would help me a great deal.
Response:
2,30
